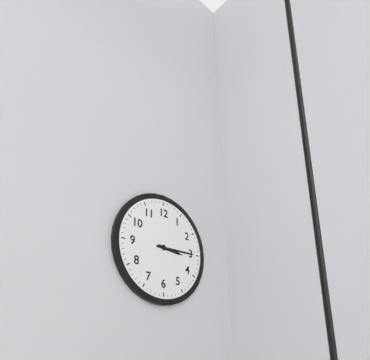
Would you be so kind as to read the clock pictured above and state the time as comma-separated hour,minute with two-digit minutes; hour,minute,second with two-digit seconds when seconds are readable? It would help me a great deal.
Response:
3,15
